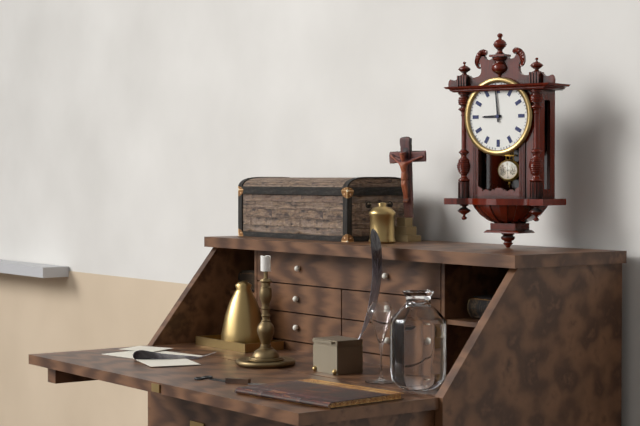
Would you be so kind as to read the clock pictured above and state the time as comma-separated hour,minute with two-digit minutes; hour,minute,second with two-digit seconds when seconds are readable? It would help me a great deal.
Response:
8,59
